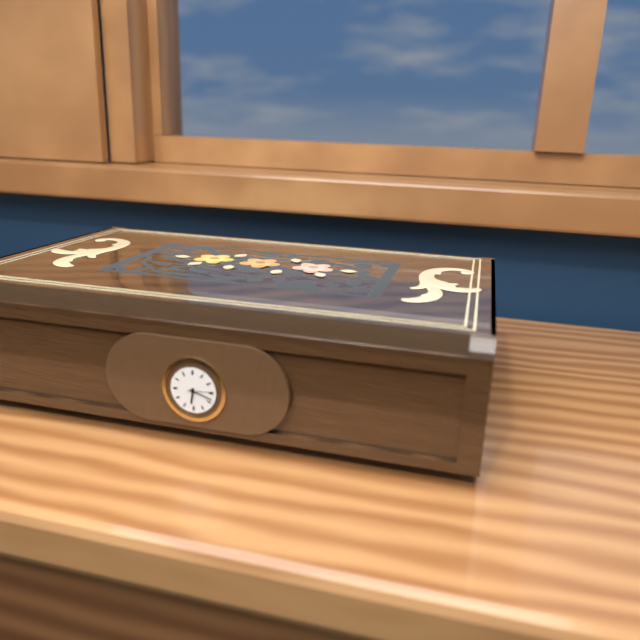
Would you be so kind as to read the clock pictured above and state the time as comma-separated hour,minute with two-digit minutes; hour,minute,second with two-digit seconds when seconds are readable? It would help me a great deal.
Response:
6,18,14
